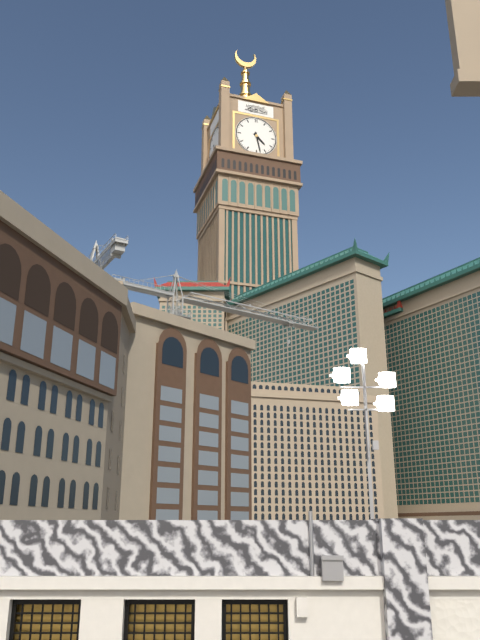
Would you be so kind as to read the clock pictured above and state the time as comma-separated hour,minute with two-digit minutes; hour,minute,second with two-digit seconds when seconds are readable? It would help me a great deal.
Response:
4,28
